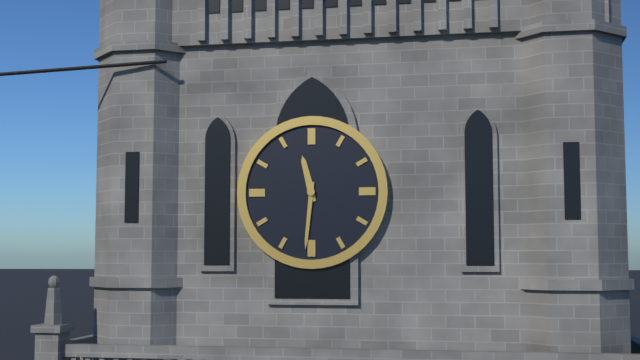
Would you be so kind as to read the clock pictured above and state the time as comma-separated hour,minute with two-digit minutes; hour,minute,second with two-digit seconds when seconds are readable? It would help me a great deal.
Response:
11,31
